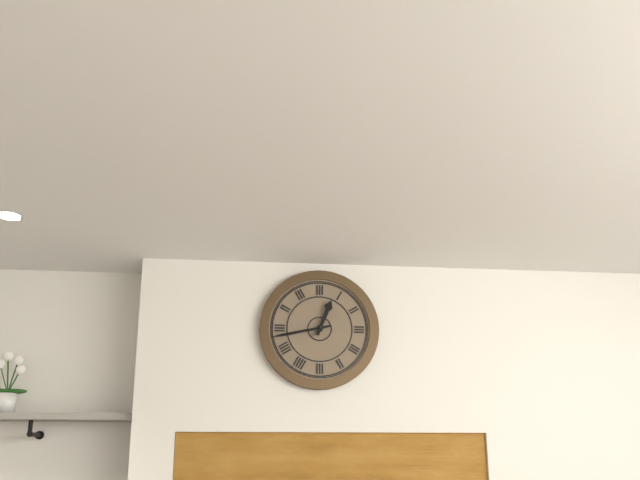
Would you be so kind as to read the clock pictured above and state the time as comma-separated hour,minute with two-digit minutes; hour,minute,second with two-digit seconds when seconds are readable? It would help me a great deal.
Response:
12,43
